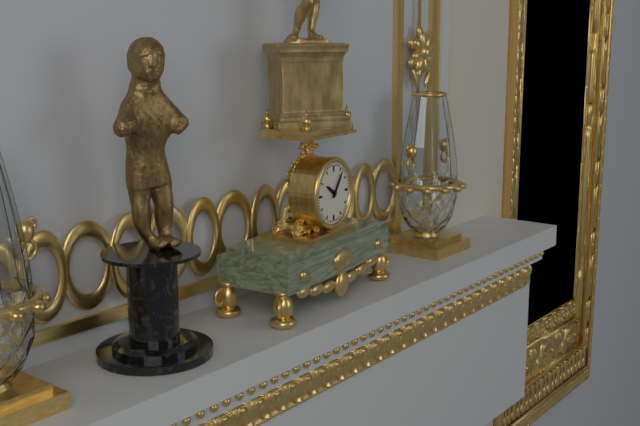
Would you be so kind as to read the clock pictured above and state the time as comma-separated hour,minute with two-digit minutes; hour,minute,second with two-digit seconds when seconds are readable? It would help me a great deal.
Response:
10,06
